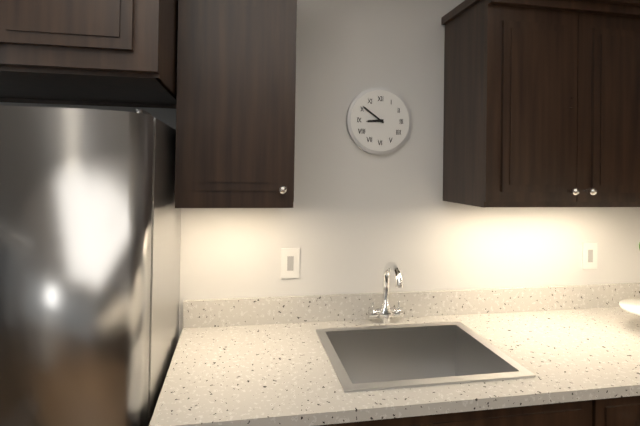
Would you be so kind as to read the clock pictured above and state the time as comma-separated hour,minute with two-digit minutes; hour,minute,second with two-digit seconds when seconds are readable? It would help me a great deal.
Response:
8,51
